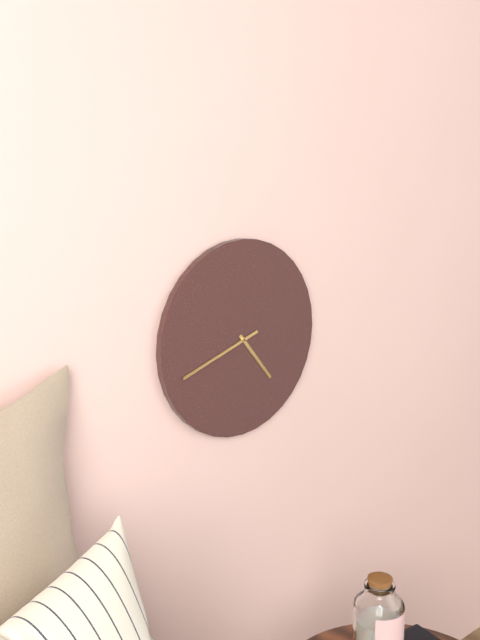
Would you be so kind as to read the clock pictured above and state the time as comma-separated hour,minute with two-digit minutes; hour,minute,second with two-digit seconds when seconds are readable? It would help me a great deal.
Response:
4,42
